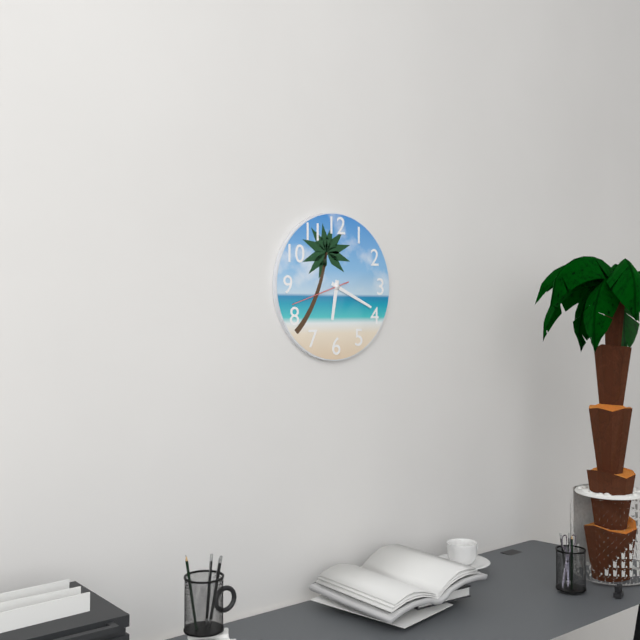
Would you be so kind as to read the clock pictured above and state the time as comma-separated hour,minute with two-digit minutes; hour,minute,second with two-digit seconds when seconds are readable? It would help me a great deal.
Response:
6,19,42
